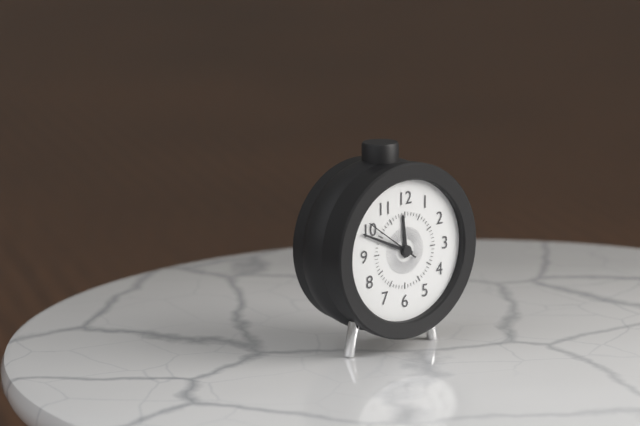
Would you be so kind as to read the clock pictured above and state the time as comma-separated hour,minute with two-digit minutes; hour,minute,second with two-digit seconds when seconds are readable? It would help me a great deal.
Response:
11,49,51
